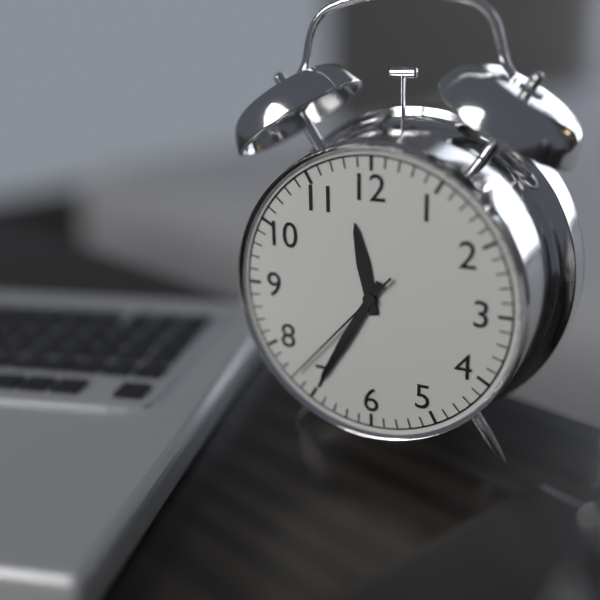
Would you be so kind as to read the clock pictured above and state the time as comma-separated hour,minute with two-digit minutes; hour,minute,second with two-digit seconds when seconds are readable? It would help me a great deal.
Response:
11,35,37
